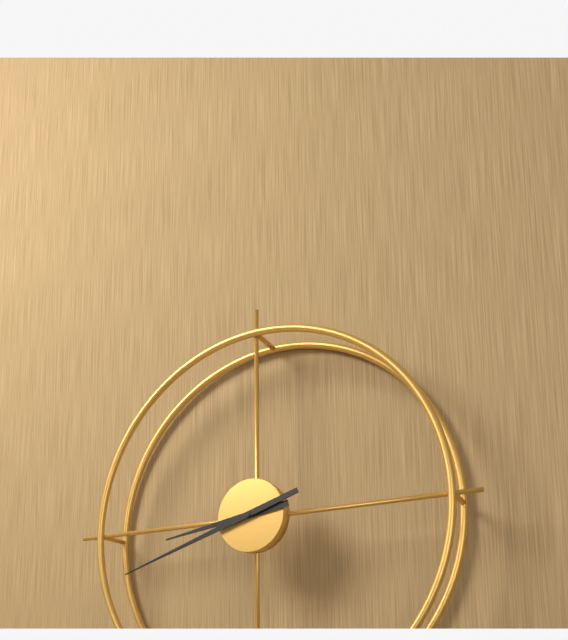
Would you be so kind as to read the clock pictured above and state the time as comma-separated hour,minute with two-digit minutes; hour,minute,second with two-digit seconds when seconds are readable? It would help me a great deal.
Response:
8,42
